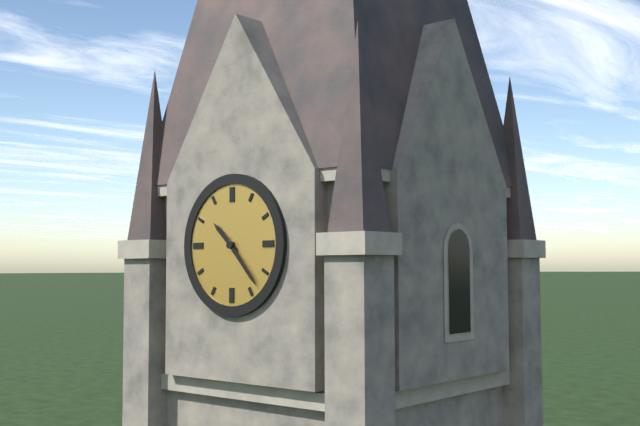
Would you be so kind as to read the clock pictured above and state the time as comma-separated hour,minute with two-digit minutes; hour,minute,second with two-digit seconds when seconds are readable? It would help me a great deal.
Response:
10,23
